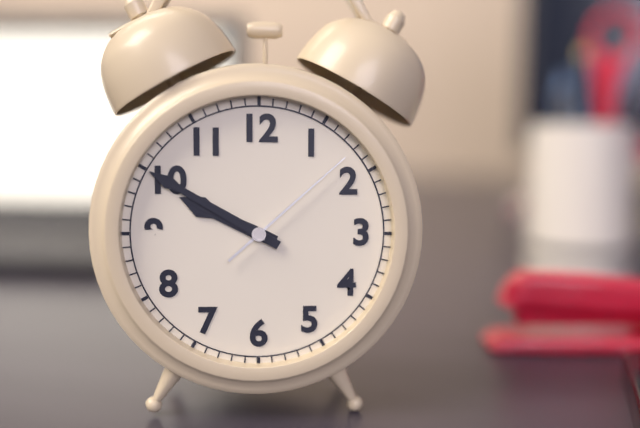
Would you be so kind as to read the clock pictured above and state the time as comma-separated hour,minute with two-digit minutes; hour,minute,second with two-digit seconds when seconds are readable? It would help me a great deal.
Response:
9,50,08
